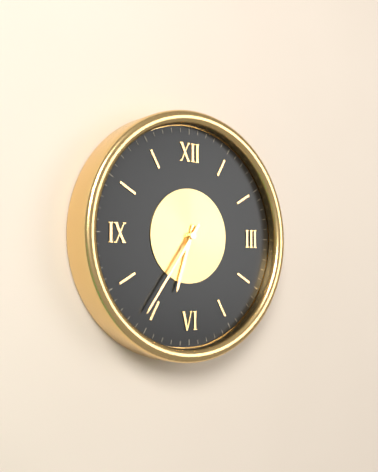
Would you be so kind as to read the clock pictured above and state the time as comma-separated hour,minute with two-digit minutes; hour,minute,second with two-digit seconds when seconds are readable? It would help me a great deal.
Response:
6,36
